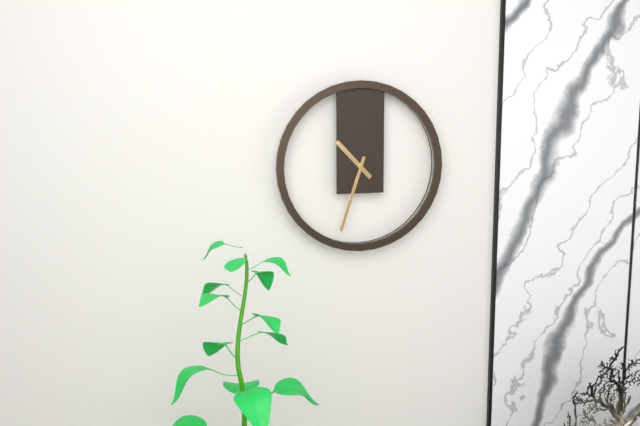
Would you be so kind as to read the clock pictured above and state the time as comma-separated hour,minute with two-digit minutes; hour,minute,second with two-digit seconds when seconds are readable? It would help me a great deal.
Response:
10,33
